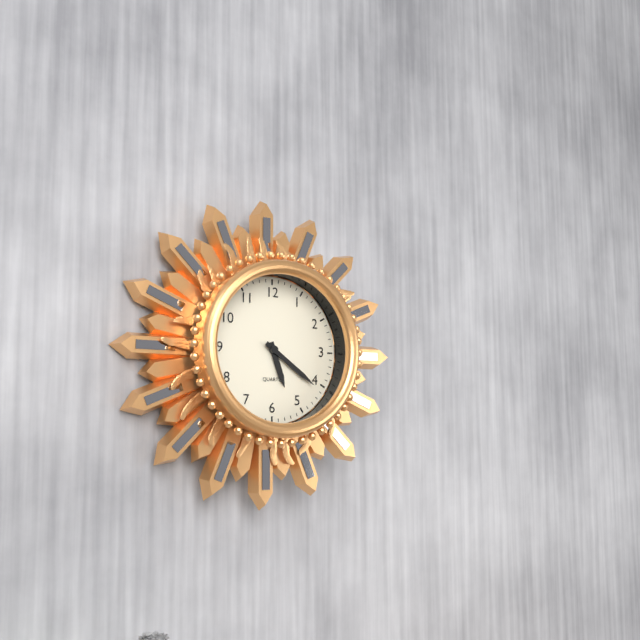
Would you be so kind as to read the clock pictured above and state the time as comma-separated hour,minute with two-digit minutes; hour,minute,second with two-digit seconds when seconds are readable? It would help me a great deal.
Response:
5,21
